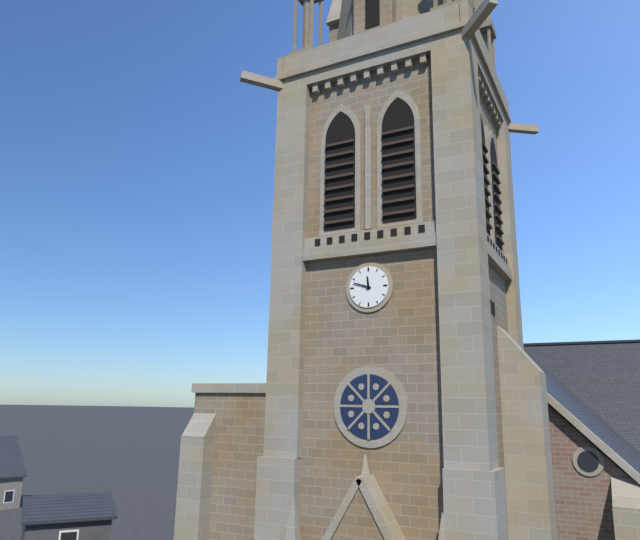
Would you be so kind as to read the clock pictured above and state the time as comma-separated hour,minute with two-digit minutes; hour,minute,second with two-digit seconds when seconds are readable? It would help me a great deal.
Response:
11,48
